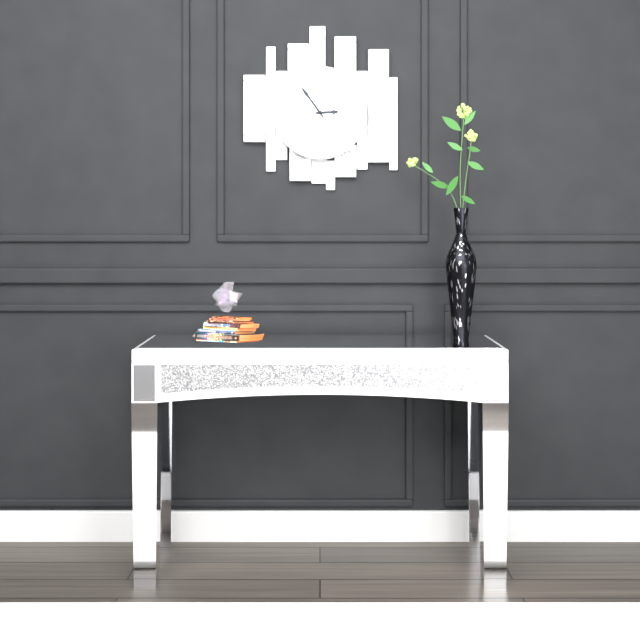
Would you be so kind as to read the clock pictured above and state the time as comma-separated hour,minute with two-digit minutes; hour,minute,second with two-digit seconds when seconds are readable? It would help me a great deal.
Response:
2,54
